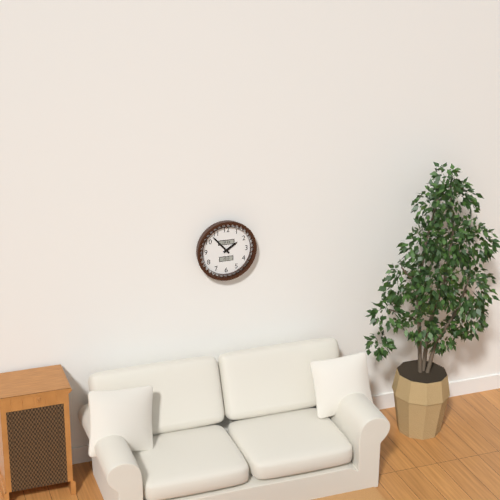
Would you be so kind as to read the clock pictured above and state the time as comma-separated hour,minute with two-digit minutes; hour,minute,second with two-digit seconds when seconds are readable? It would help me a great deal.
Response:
1,53
